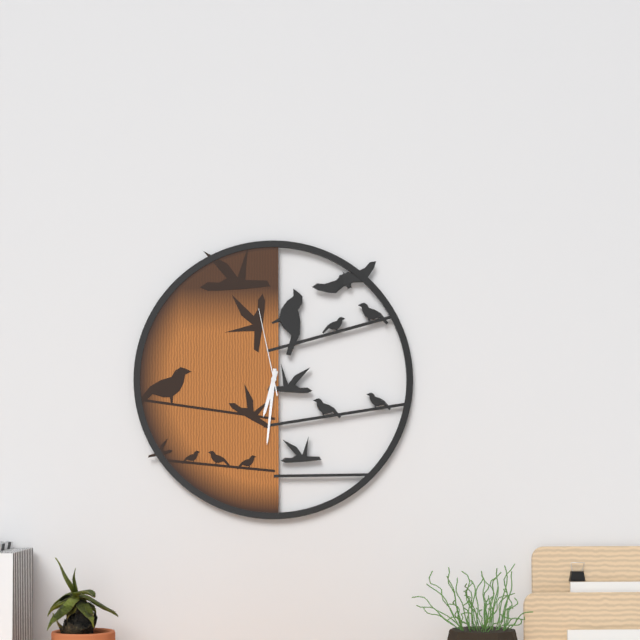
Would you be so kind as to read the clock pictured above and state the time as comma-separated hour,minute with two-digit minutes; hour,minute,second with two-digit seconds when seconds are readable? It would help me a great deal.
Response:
6,31,58
